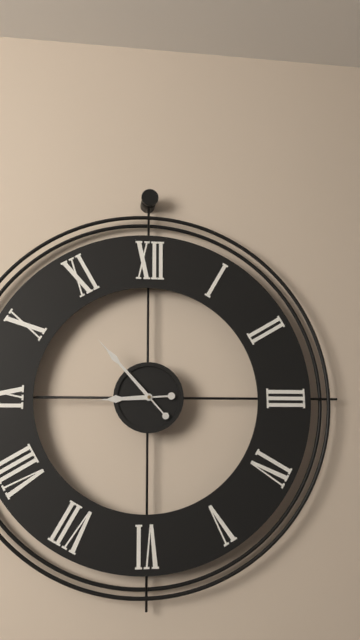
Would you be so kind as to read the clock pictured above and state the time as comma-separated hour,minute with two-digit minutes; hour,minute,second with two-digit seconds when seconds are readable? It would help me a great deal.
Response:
8,53
